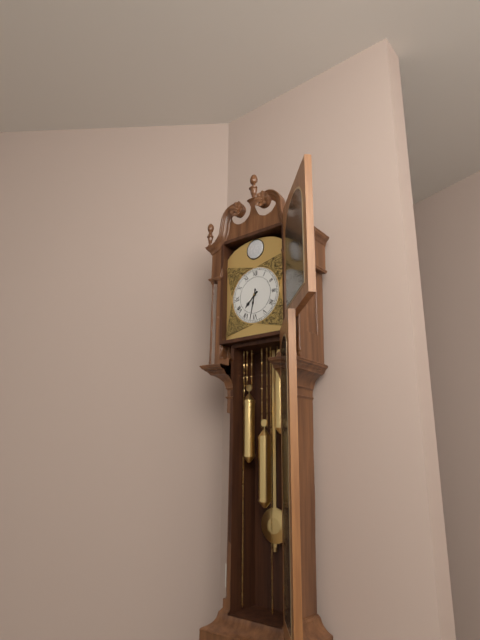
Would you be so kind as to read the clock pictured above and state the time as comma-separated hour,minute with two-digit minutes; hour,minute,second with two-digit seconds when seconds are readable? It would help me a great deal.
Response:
7,32
